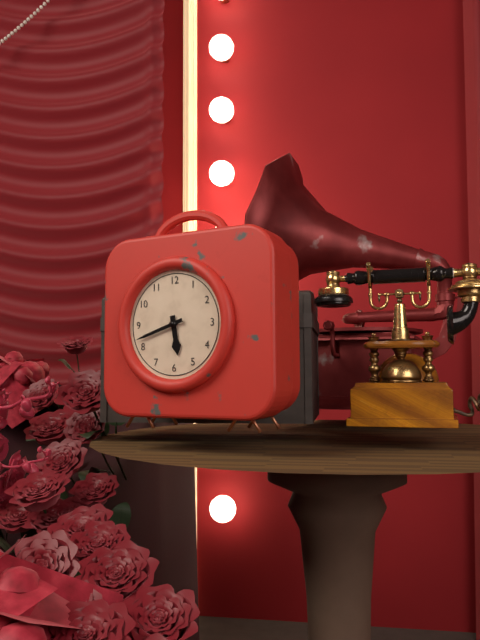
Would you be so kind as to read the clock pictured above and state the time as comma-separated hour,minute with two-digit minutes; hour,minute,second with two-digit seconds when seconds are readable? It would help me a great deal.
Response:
5,42
